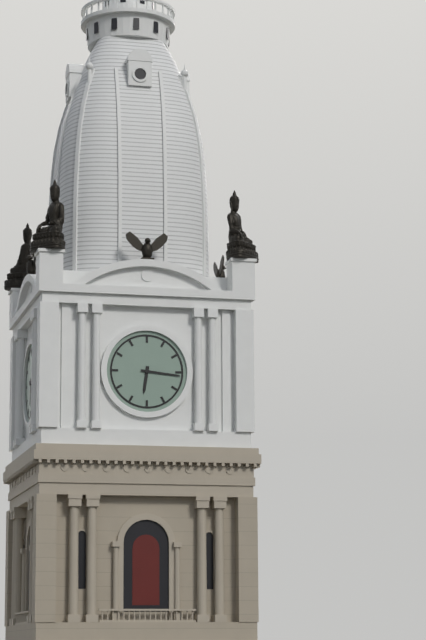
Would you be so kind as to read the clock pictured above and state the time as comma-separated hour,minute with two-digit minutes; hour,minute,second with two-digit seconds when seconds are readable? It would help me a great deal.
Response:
6,16
